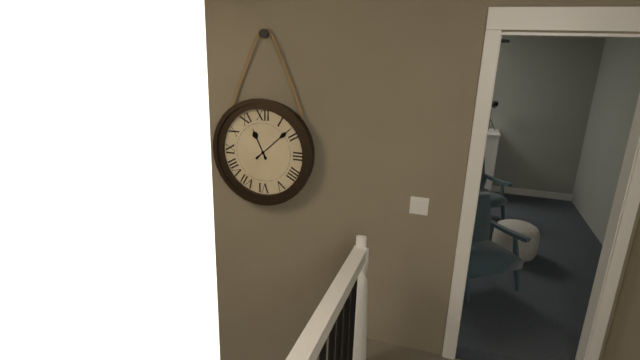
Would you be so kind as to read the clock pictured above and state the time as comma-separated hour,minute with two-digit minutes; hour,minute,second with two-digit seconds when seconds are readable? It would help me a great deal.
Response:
11,08
